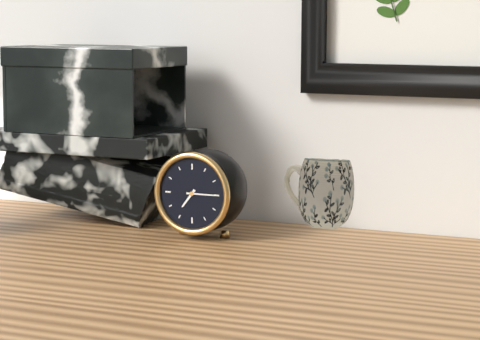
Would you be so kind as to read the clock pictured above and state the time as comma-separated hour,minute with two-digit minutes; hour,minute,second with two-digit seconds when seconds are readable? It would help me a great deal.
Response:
7,15
